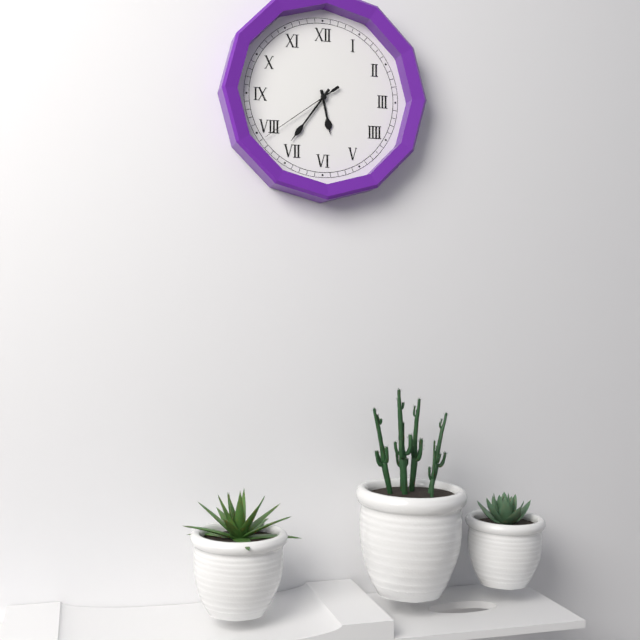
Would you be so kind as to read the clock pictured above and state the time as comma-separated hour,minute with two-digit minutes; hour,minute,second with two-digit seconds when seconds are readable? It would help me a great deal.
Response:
5,36,39
